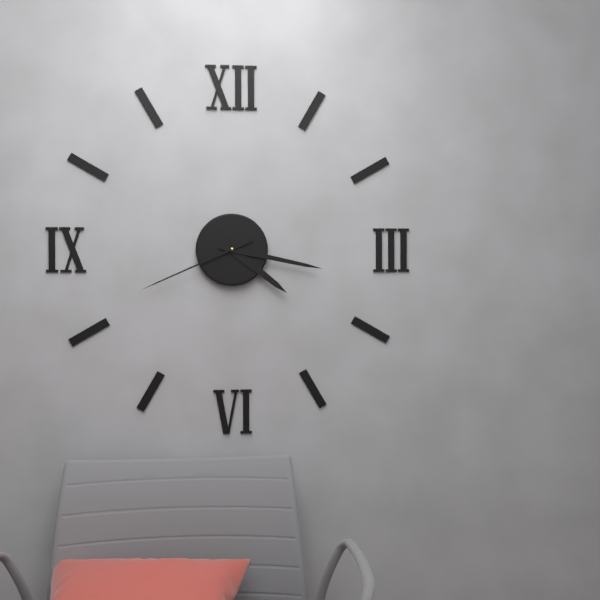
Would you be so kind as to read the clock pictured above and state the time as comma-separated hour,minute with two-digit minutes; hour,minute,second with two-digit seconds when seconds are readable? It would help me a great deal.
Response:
4,17,41
